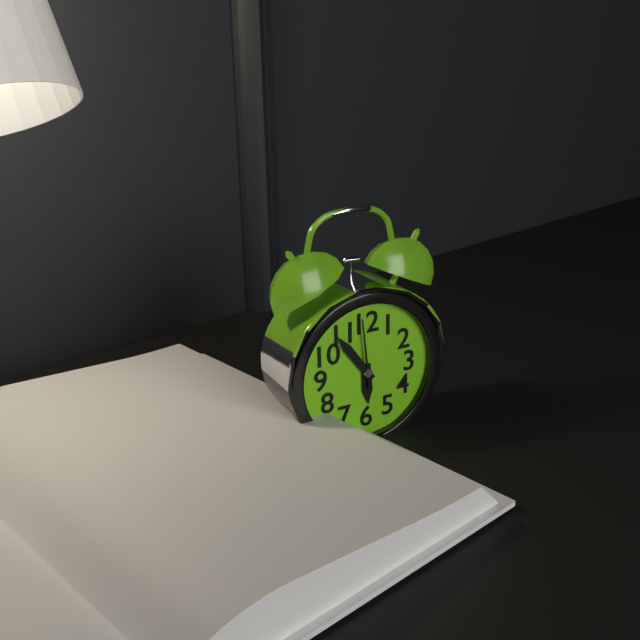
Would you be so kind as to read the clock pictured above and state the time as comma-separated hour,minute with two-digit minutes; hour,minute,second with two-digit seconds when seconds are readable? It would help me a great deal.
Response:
5,54,59
